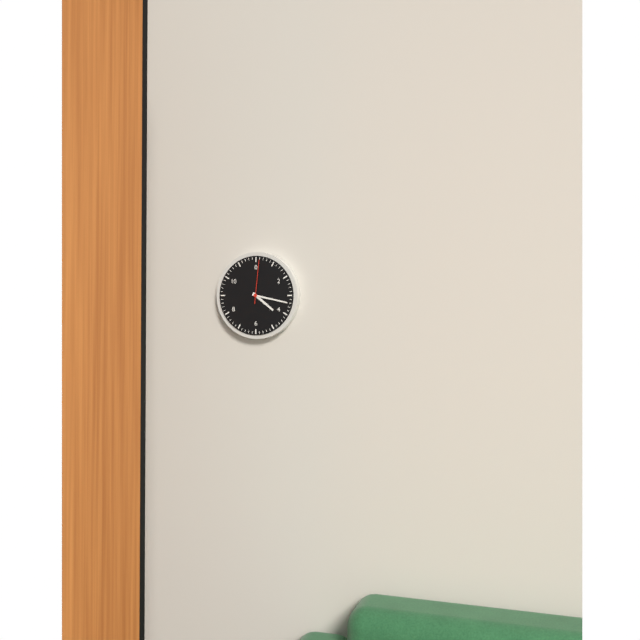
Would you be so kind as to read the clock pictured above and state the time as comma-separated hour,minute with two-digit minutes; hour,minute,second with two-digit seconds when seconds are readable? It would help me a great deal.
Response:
4,17
